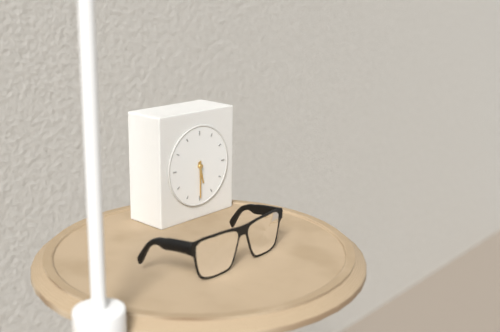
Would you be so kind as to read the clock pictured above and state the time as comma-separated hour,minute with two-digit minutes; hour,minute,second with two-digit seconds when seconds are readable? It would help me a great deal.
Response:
5,30
